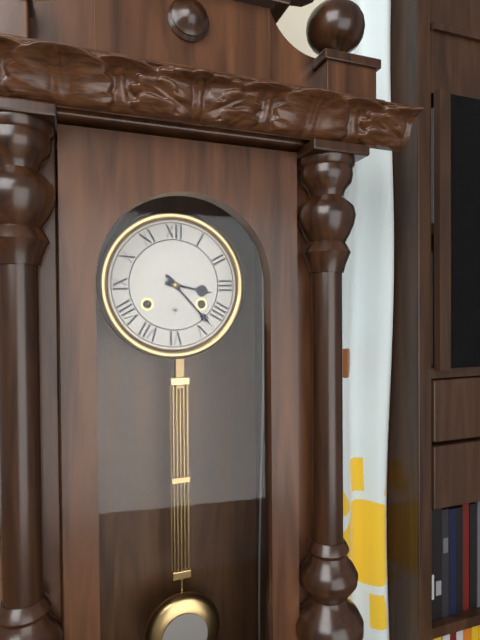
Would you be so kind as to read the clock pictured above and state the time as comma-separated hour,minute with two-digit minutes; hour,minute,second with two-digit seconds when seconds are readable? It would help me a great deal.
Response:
3,23
